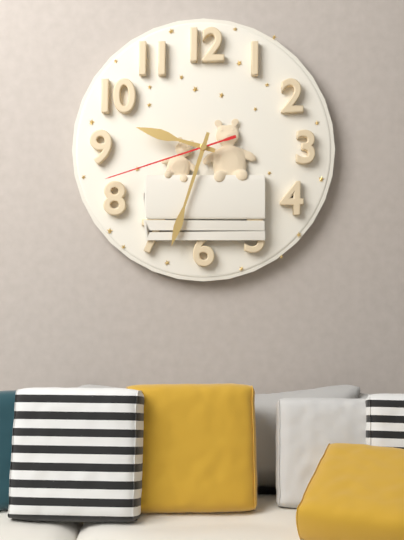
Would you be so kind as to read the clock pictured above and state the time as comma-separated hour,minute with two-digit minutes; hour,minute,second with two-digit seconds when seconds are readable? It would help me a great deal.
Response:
9,33,42
